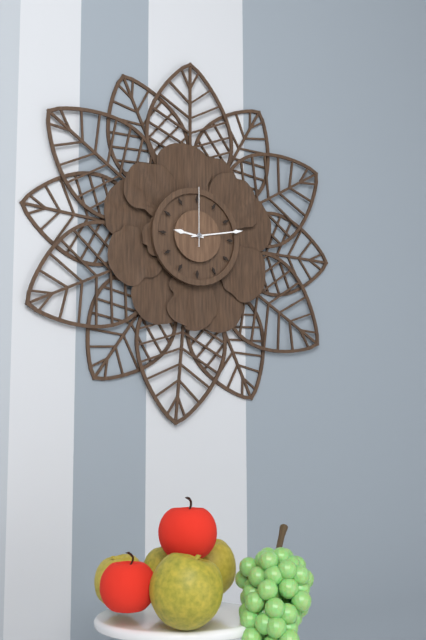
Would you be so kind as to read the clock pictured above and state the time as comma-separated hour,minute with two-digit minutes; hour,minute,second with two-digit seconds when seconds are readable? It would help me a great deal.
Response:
9,13,00
